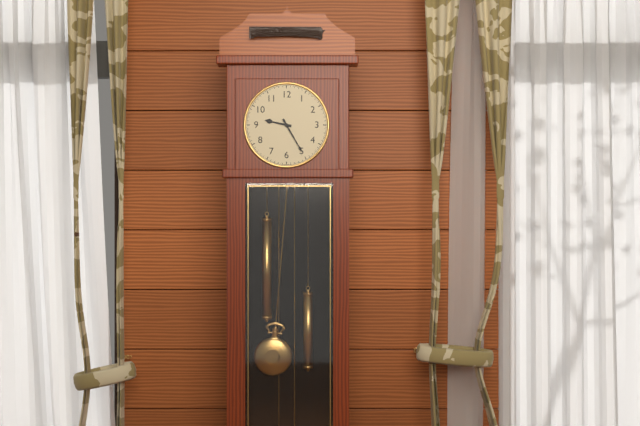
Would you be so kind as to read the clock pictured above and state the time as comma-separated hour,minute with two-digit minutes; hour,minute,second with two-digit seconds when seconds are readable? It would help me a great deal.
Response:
9,25
